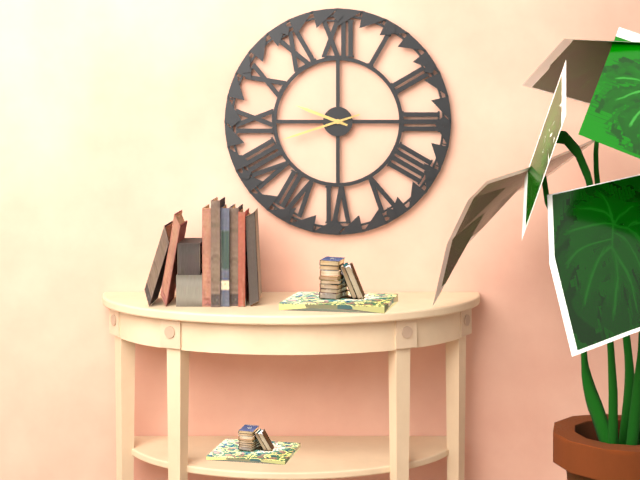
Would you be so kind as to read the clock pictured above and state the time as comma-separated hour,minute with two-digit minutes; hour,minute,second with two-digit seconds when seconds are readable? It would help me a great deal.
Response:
9,42
